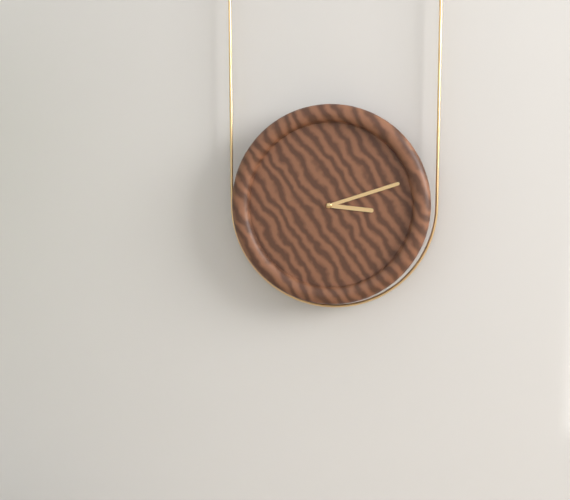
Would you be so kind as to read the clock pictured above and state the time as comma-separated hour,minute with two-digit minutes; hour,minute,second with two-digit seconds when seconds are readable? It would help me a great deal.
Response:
3,12
